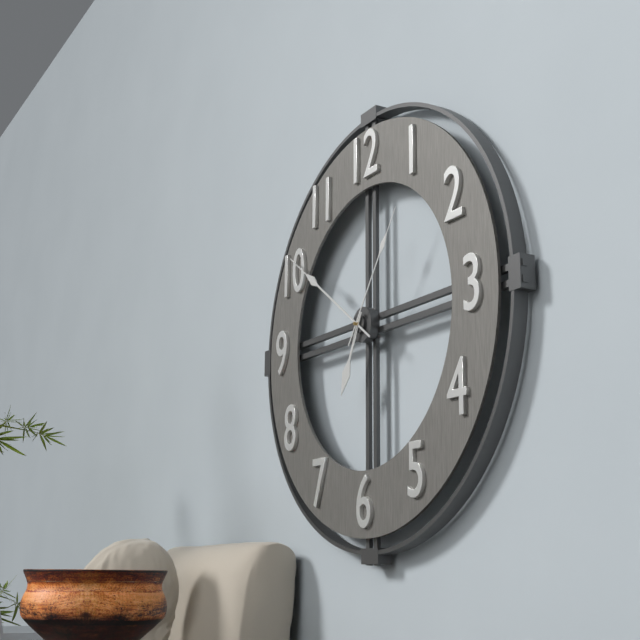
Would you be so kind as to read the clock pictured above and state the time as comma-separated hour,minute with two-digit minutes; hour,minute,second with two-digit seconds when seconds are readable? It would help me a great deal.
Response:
6,51,06
